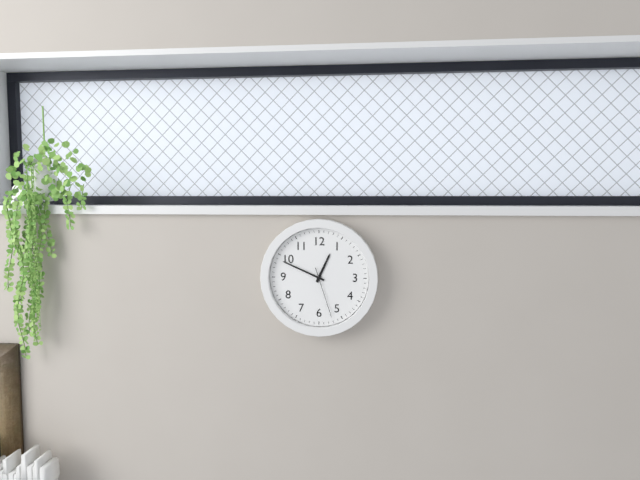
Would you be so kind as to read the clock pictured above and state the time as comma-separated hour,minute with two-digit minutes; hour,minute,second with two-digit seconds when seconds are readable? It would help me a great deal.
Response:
12,49,27
